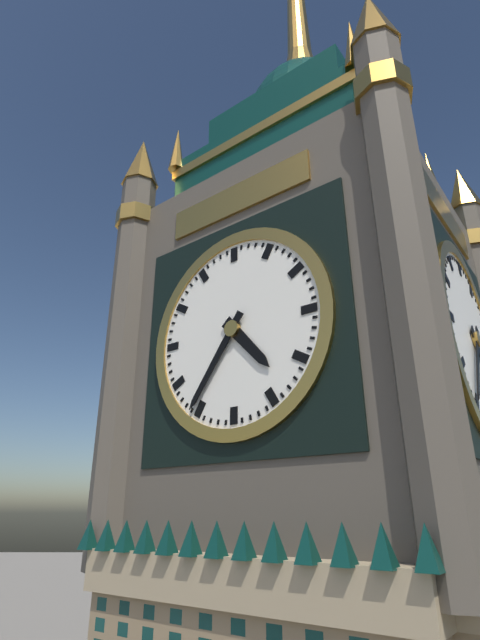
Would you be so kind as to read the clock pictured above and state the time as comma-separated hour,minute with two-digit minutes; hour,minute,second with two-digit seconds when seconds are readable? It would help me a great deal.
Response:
4,36
